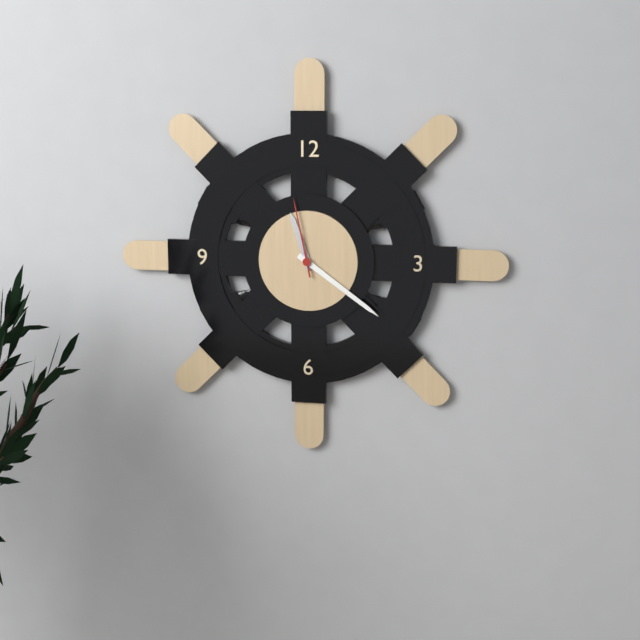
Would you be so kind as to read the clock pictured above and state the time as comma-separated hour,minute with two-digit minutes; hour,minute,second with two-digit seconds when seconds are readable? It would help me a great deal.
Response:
11,21,58
